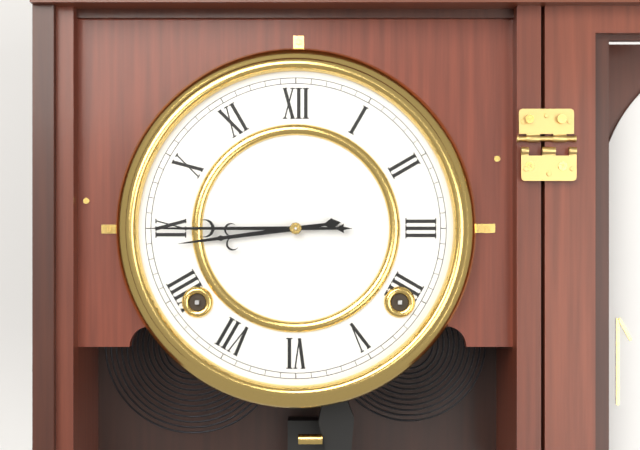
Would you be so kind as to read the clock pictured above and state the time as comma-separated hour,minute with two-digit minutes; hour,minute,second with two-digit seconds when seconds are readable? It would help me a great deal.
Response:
8,45
